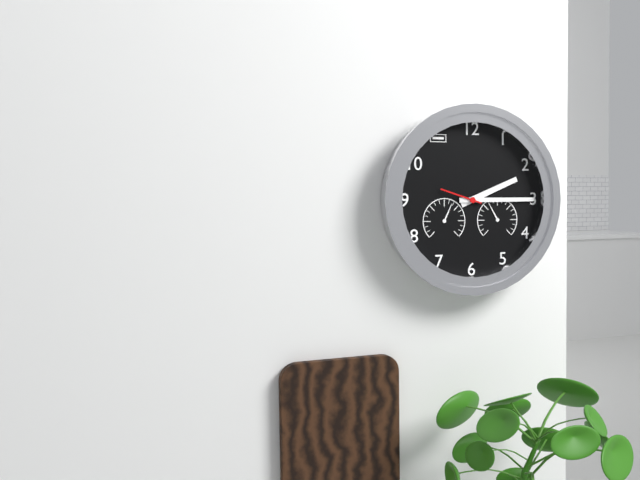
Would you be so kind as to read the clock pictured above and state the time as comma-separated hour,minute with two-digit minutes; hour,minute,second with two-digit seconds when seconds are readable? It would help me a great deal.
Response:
2,15
